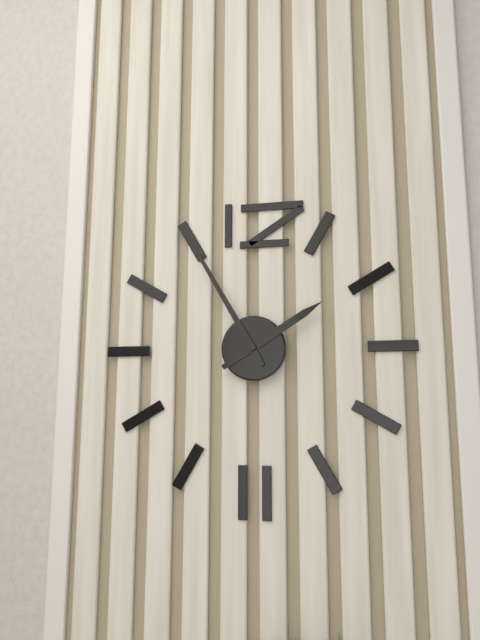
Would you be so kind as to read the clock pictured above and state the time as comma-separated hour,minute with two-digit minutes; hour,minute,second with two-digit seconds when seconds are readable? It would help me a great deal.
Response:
1,55
